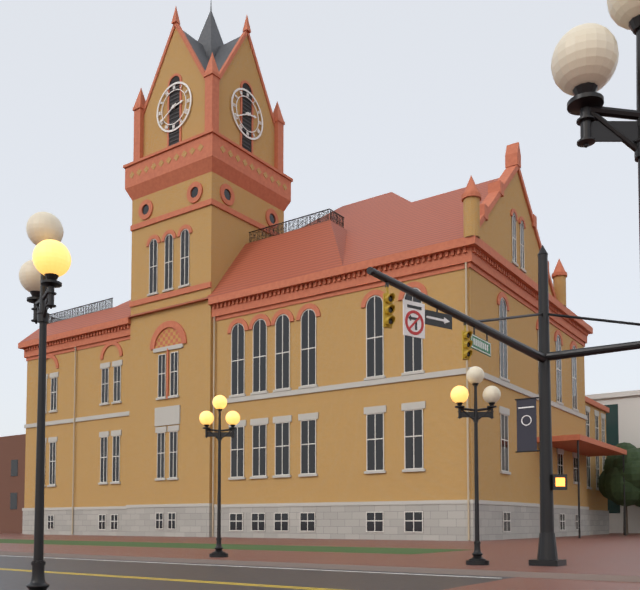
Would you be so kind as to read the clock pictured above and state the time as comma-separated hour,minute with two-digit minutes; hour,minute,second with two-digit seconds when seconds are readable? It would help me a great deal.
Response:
2,40
